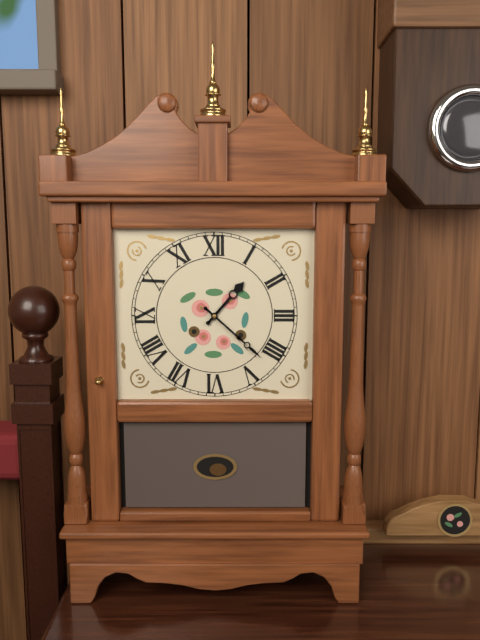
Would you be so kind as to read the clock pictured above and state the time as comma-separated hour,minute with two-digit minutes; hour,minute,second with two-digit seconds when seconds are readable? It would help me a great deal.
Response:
1,22
